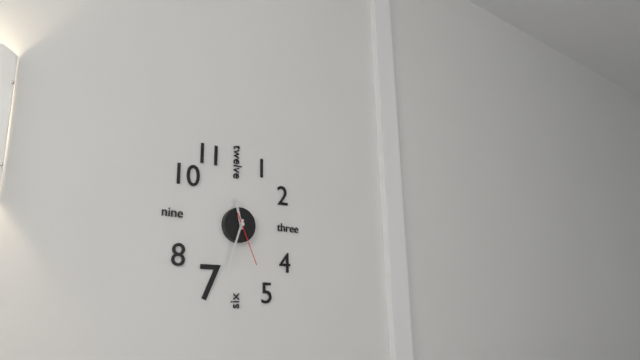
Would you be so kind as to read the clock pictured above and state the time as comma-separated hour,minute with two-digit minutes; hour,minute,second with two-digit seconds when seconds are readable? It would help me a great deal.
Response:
11,33,26
